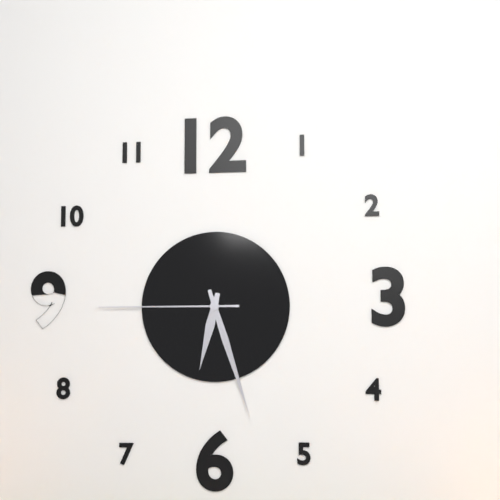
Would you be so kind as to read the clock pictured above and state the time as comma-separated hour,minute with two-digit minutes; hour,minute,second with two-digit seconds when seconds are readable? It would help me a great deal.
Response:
6,27,45
